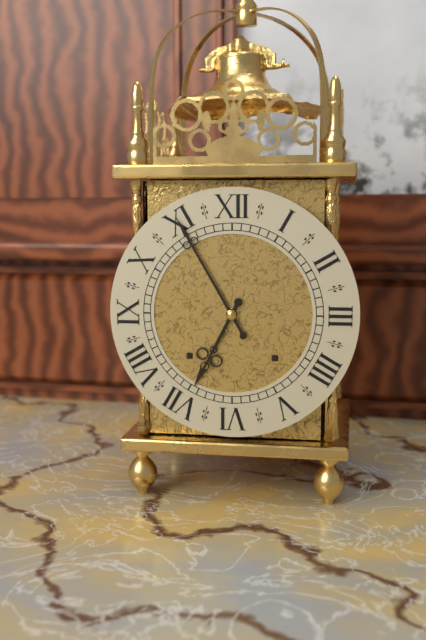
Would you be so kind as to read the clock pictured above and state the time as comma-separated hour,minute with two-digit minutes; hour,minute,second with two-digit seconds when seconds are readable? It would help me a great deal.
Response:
6,55
